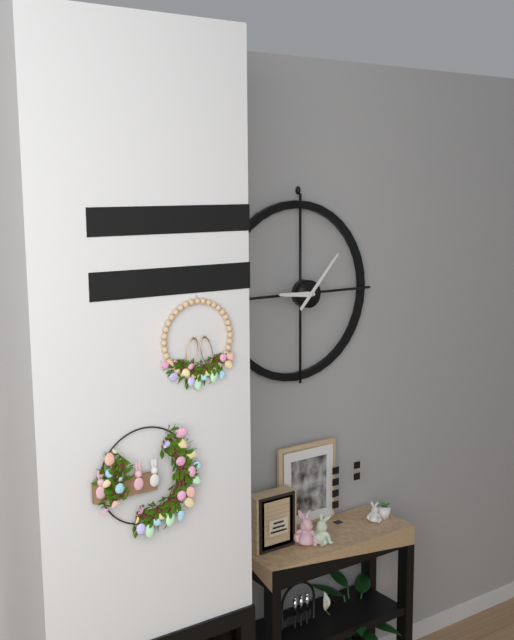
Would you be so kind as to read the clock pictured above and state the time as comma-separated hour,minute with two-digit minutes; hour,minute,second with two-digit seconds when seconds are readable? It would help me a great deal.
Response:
9,07
